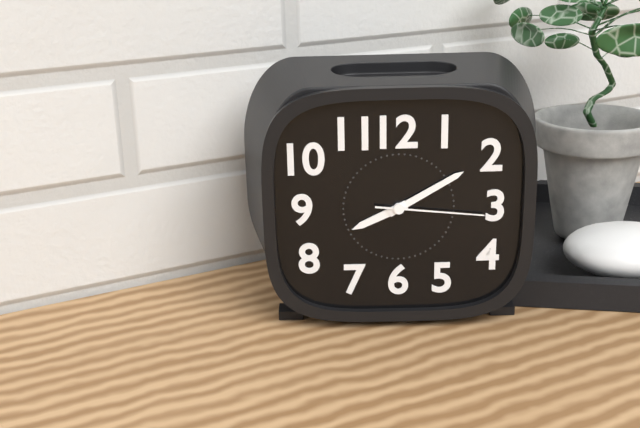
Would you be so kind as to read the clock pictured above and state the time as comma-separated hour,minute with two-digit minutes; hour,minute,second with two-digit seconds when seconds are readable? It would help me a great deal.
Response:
8,10,16
